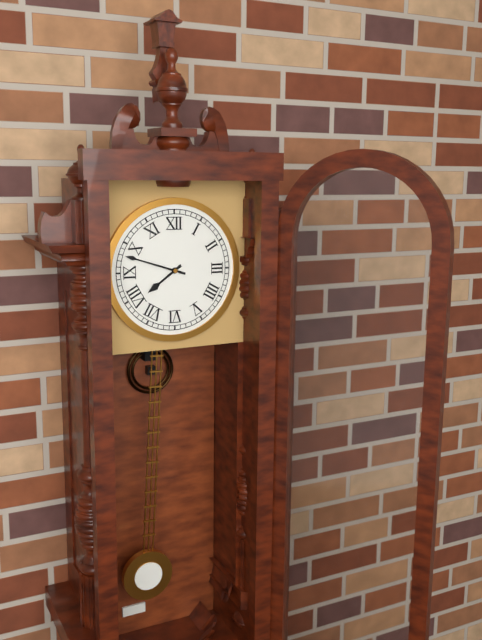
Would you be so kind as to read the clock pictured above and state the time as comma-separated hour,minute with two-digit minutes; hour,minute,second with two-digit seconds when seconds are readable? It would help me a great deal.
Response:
7,48
